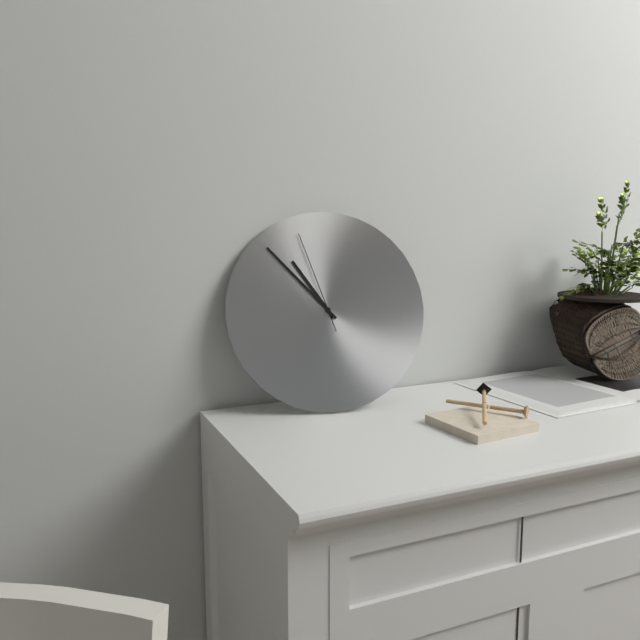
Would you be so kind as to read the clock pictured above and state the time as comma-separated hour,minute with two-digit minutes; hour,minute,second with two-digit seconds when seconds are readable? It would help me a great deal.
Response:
10,53,57
